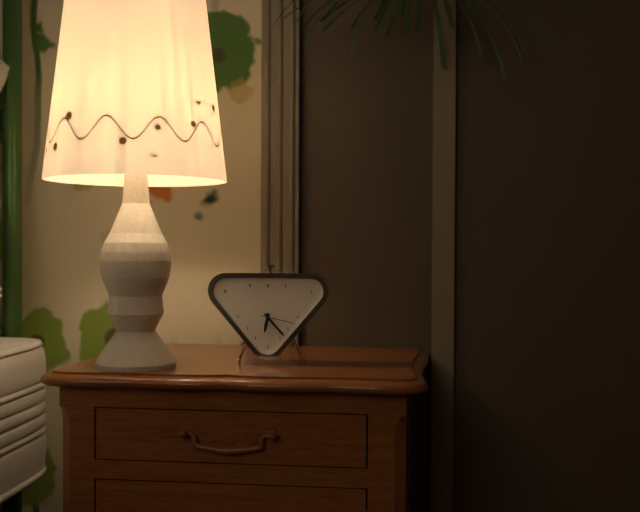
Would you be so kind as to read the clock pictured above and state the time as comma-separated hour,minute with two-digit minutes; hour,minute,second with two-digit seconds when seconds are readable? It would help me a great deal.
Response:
6,23
